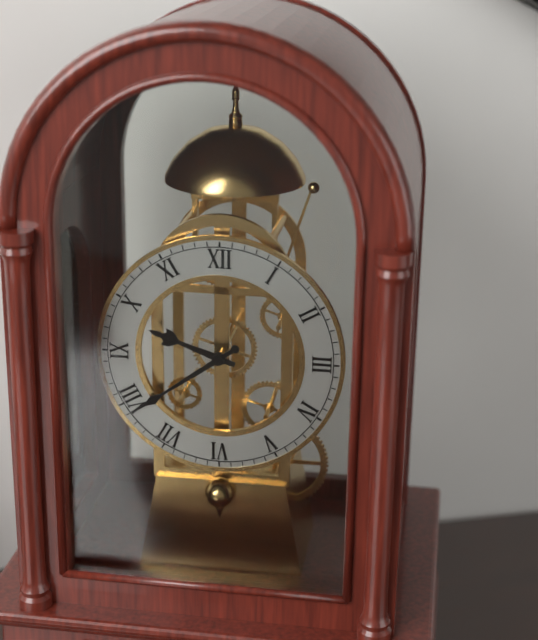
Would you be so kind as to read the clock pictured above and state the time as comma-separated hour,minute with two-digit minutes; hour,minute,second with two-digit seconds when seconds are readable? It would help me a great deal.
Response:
9,39
